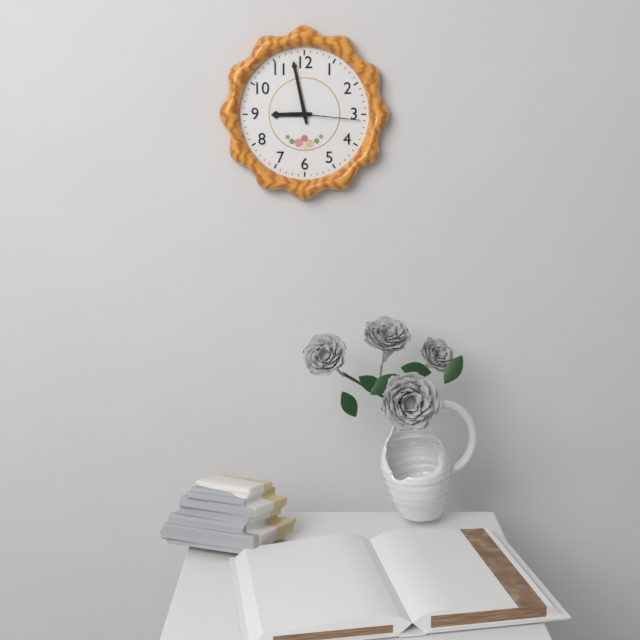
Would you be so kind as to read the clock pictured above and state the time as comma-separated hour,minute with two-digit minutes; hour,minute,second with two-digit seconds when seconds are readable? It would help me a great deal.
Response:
8,58,16
